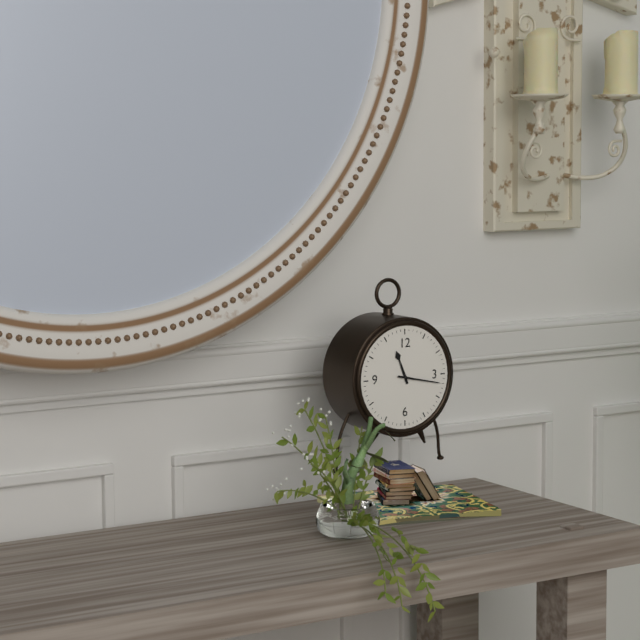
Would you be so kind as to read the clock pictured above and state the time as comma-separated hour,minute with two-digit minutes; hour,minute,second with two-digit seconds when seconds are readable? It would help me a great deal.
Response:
11,17
